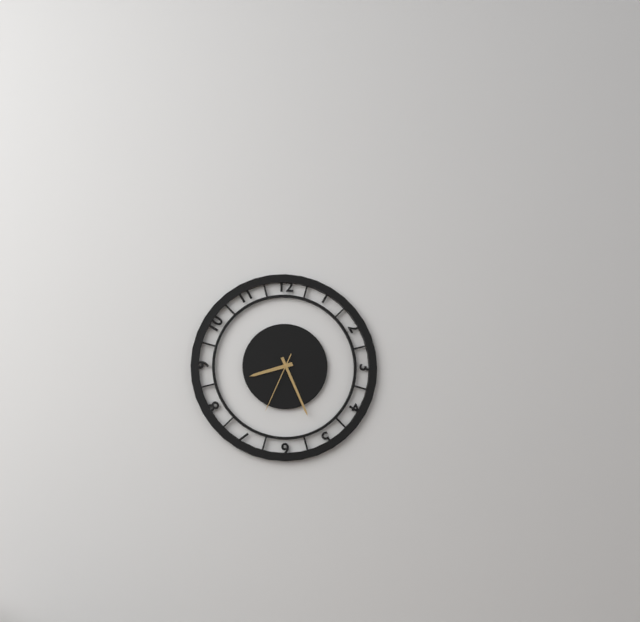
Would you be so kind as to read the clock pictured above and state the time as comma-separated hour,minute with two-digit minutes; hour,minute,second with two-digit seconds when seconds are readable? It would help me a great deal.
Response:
8,26,34
